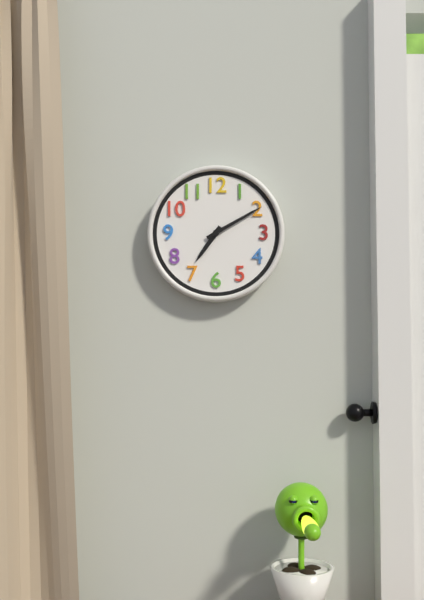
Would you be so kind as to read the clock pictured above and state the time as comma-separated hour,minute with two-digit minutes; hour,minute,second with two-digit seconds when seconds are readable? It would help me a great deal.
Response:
7,10
